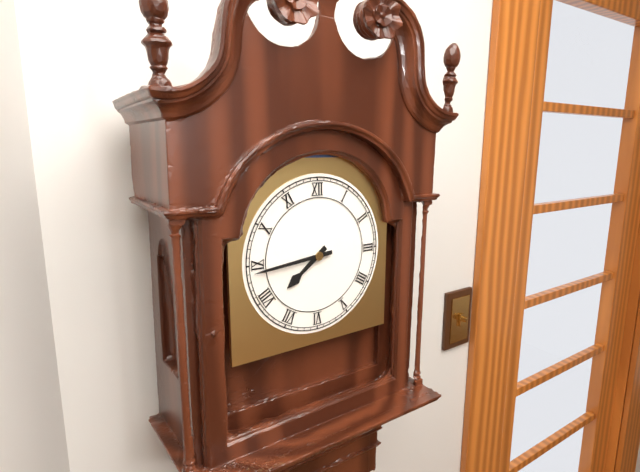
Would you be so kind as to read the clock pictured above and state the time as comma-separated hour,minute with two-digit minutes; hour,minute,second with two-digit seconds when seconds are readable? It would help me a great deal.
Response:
7,44
